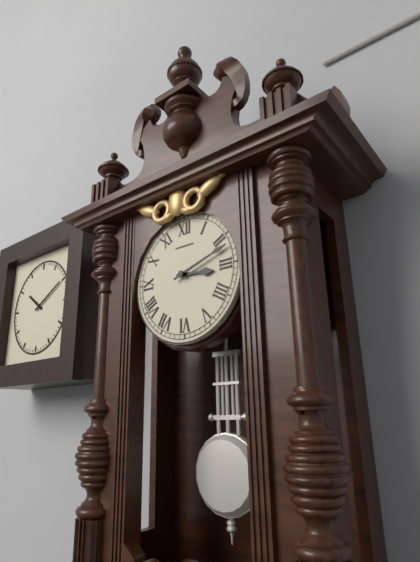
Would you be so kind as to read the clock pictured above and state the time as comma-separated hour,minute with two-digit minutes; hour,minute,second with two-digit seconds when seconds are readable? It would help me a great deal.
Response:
3,12
